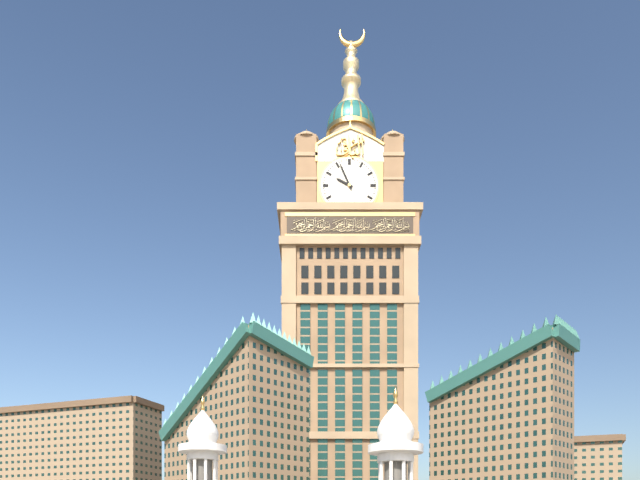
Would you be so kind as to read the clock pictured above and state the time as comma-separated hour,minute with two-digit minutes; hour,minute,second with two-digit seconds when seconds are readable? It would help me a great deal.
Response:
9,56
